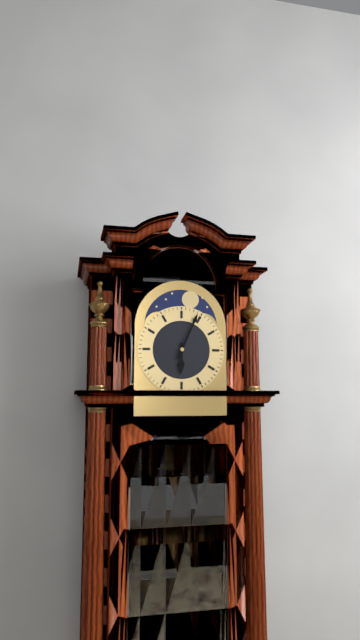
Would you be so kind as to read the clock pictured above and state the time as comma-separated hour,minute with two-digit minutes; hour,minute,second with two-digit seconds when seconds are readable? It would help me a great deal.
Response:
6,04
